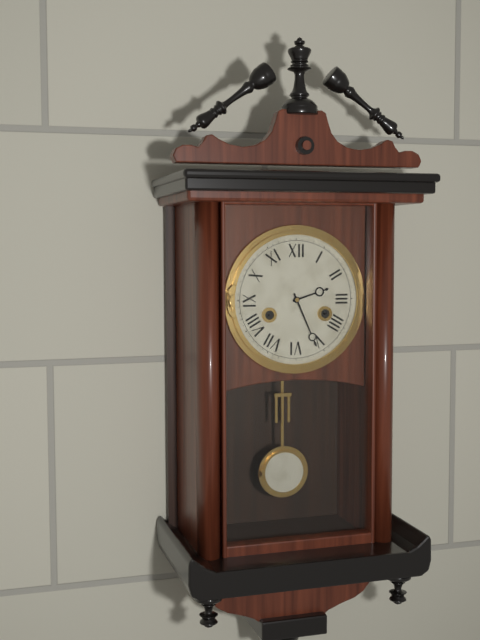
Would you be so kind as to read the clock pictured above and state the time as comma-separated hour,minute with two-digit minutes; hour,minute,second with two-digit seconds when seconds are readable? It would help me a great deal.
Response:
2,26
